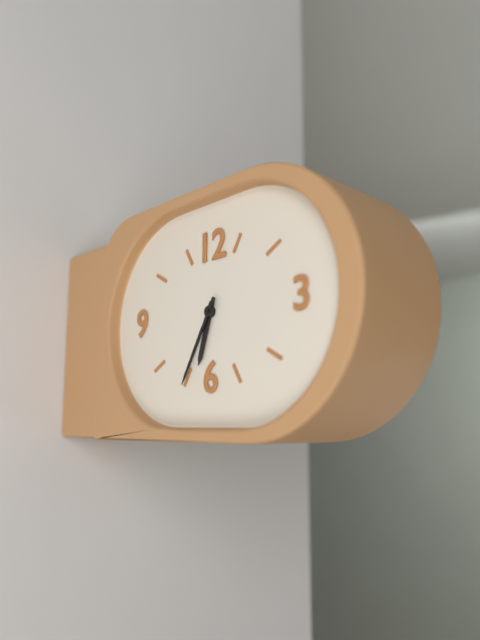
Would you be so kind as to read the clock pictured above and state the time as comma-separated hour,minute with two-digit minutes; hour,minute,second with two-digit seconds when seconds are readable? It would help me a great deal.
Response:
6,35
